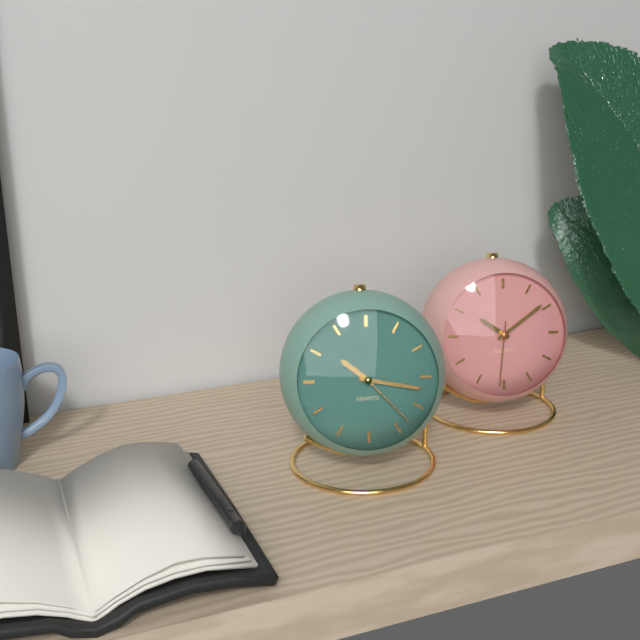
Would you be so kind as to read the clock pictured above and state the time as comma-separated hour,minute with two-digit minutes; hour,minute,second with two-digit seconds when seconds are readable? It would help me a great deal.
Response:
10,17,23
